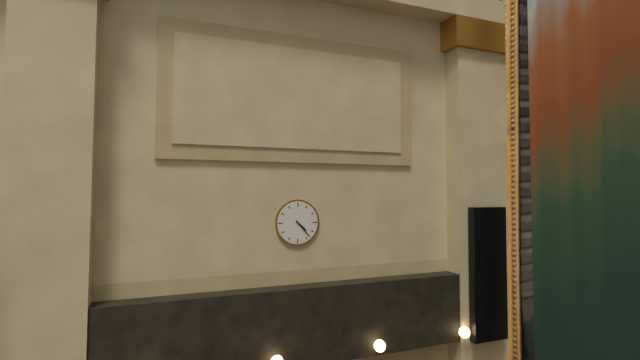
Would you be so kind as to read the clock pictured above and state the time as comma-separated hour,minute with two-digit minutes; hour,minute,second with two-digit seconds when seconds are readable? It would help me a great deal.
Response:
4,23
